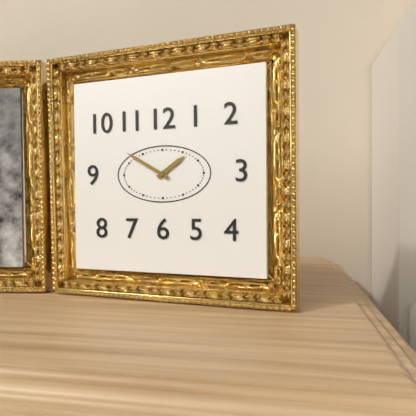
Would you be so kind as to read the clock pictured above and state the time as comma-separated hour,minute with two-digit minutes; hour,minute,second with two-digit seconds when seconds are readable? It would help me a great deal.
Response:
1,50
